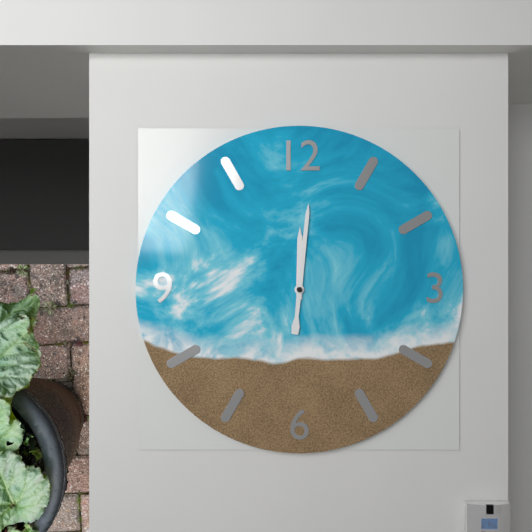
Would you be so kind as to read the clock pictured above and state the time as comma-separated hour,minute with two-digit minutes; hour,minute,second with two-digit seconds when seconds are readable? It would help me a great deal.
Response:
12,01
